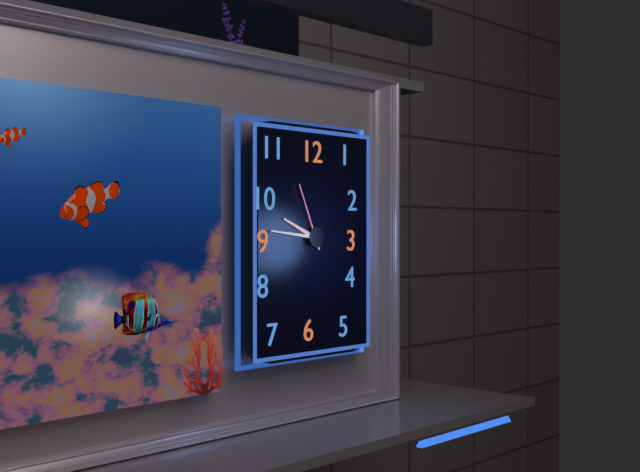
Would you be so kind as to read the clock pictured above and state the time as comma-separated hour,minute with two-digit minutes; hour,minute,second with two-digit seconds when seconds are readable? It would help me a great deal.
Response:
9,46,56
